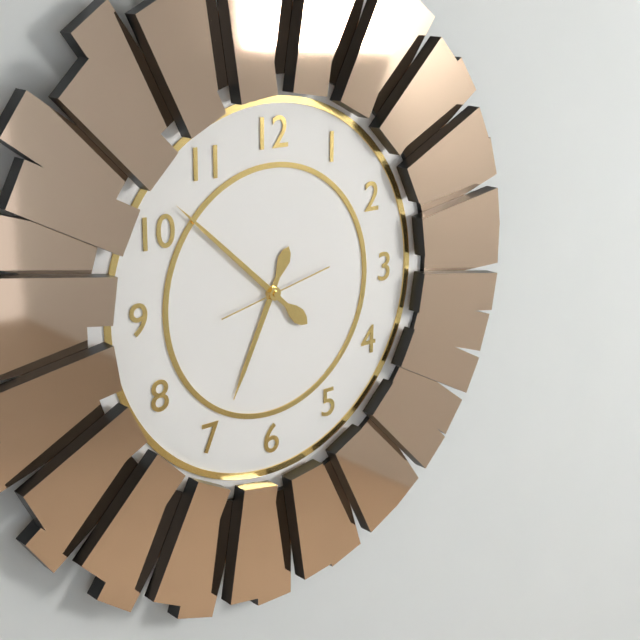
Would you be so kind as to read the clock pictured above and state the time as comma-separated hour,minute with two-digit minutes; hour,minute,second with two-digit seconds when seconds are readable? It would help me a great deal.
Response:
6,52,13
